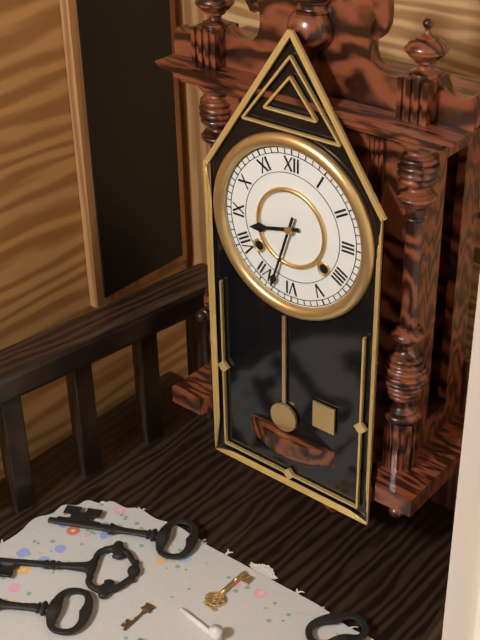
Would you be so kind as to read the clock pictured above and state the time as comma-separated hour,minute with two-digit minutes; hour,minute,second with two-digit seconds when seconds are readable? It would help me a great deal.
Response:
8,33
